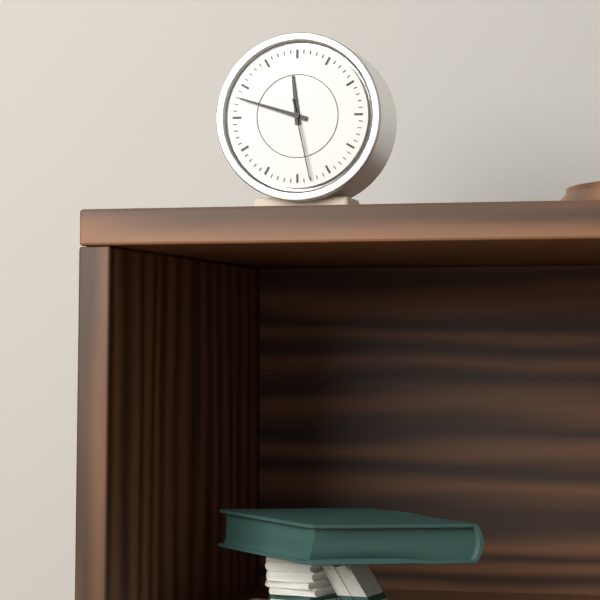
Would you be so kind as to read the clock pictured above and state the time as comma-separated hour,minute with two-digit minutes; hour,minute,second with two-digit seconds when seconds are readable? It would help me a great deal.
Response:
11,48,28
